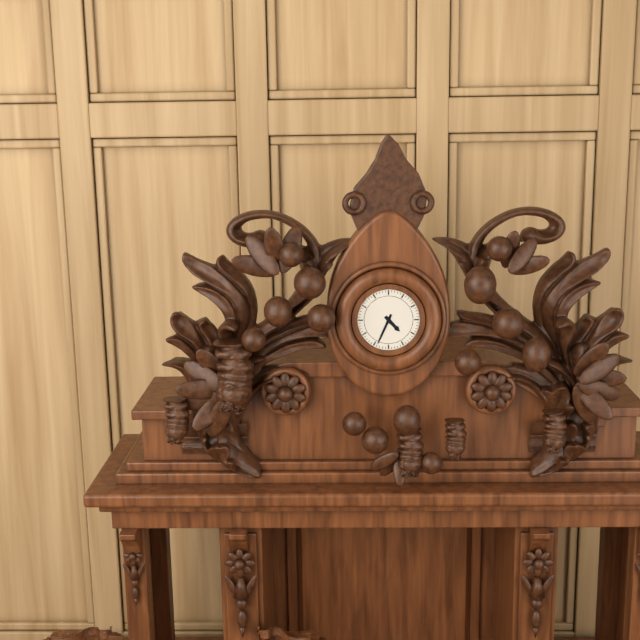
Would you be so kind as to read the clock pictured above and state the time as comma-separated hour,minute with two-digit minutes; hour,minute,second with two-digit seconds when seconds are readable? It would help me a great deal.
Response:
4,34
